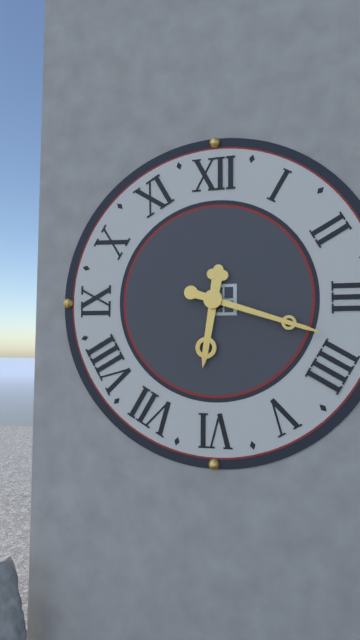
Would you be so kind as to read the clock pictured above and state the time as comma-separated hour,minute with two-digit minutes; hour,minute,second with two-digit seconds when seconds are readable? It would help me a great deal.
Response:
6,18
